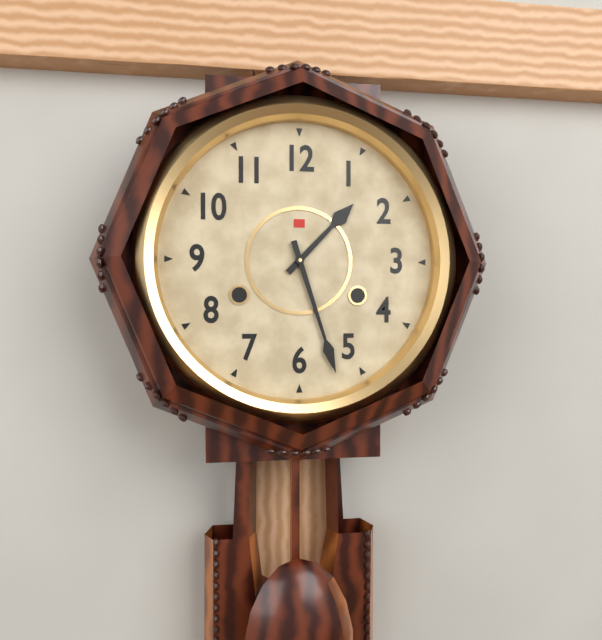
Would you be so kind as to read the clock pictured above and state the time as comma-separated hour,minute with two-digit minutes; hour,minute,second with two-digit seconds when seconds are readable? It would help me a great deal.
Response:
1,27
